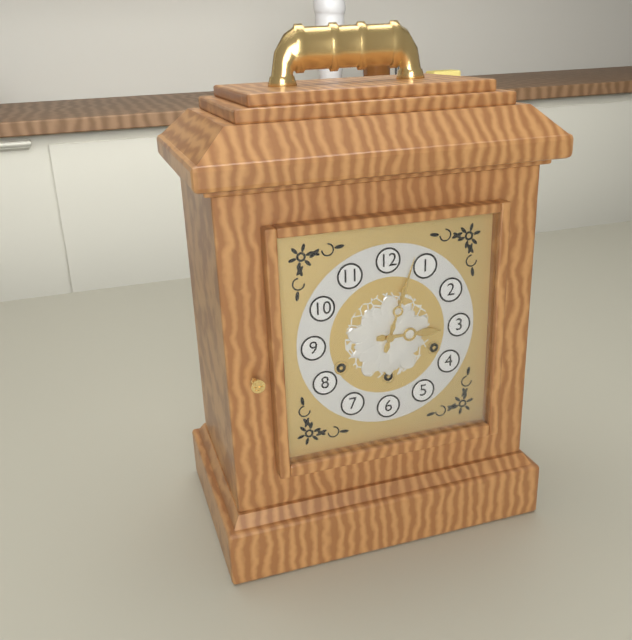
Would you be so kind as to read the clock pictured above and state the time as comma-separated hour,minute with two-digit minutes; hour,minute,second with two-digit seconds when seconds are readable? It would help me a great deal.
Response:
3,03
